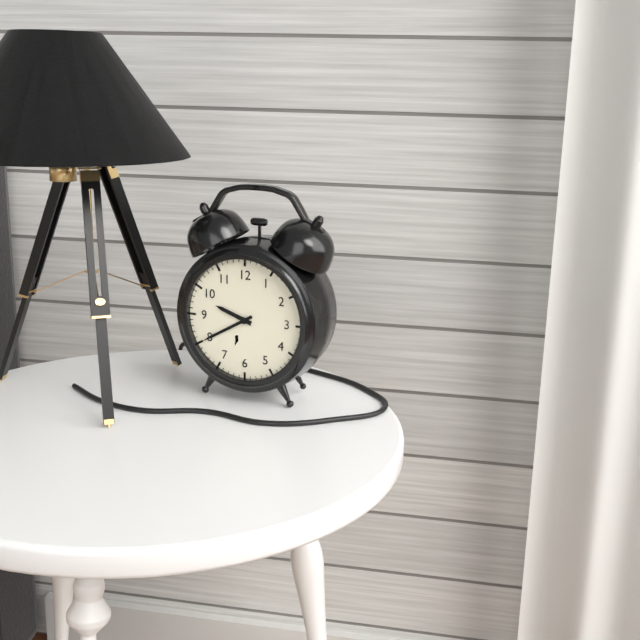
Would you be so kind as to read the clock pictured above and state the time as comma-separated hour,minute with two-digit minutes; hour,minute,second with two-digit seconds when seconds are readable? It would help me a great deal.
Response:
9,40
